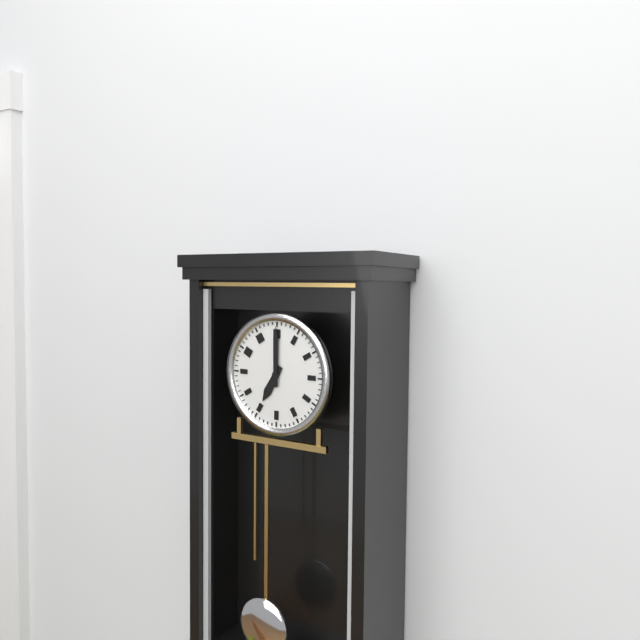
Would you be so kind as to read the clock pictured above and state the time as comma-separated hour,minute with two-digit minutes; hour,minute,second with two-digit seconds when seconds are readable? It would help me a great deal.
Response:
7,00
